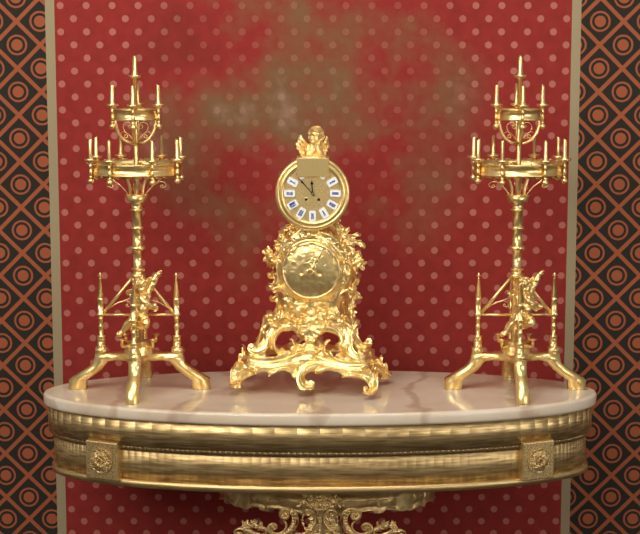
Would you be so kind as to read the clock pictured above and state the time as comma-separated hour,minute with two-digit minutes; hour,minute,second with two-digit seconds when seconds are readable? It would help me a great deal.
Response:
11,53
